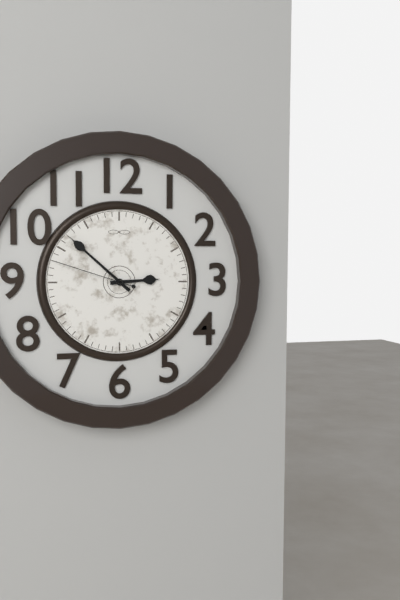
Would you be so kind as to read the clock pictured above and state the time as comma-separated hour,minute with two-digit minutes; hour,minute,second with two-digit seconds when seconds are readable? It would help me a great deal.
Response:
2,52,48
